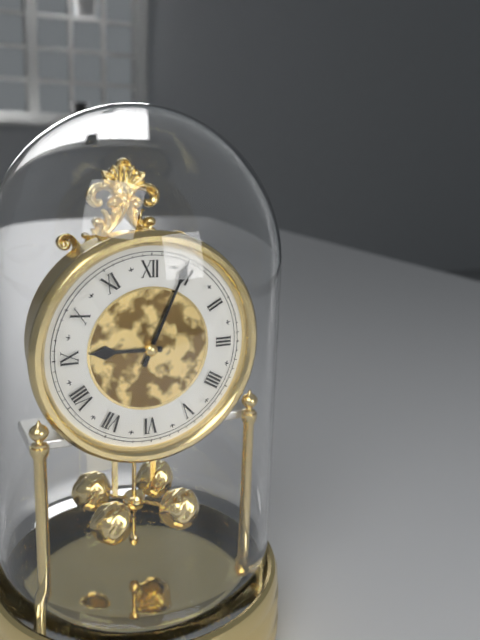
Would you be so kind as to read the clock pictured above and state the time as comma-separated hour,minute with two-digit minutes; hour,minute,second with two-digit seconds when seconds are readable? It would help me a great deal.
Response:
9,04
